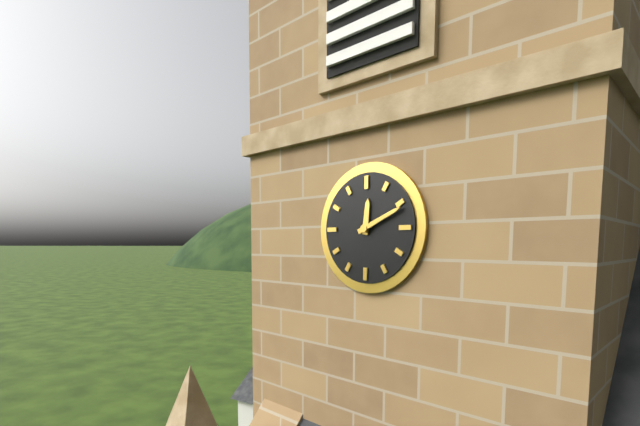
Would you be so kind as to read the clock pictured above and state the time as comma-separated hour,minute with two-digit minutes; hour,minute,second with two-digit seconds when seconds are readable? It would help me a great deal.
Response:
12,11
